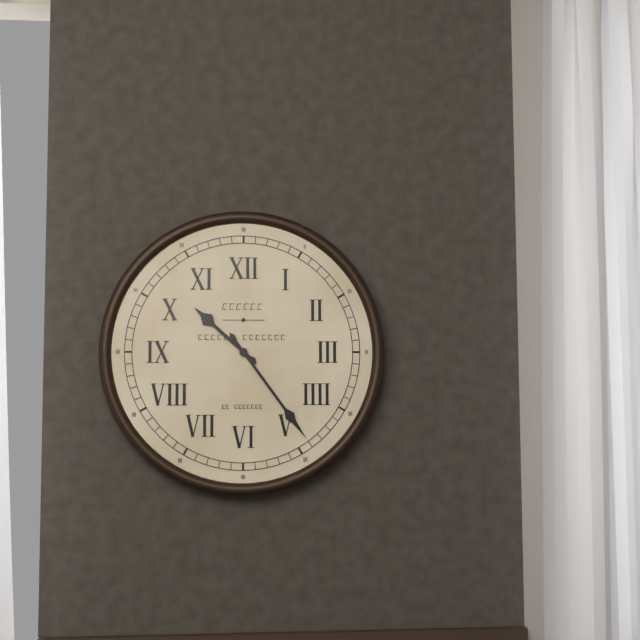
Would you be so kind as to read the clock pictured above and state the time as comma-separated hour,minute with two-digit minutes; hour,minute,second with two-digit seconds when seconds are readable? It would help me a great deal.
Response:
10,24
